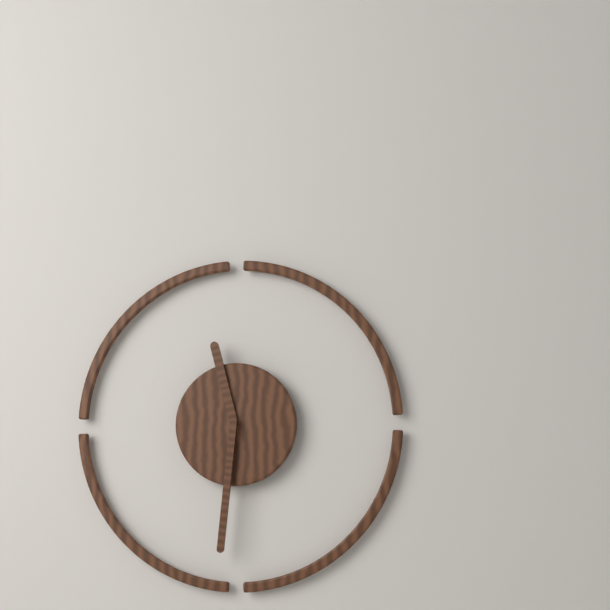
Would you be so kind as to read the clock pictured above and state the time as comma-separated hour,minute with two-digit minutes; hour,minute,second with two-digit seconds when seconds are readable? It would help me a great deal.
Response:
11,31
